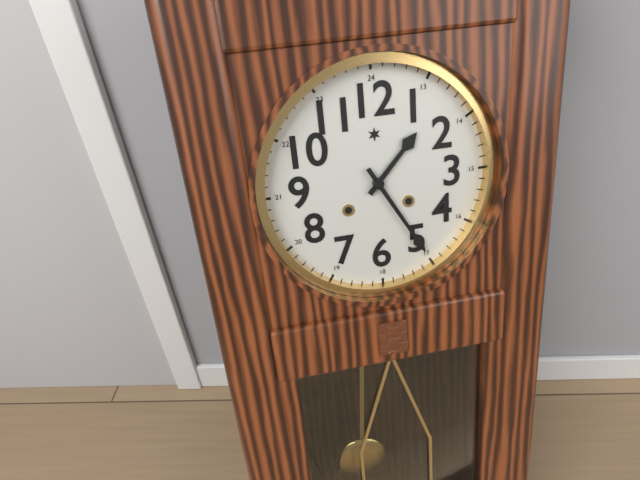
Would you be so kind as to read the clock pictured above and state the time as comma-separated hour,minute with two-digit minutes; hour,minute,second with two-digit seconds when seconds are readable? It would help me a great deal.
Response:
1,25
